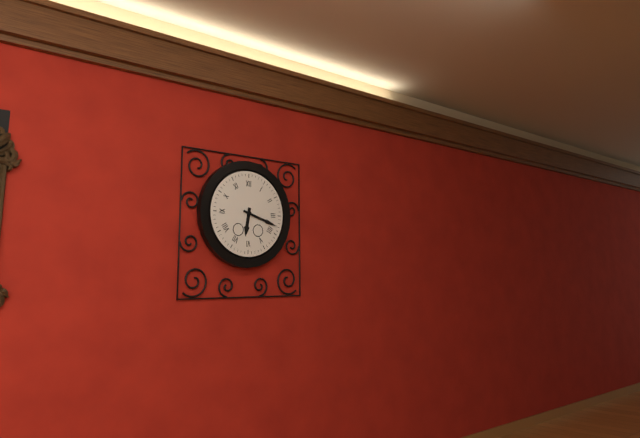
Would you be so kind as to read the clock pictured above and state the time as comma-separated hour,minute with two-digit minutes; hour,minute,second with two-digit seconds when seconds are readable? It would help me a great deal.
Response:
6,18
